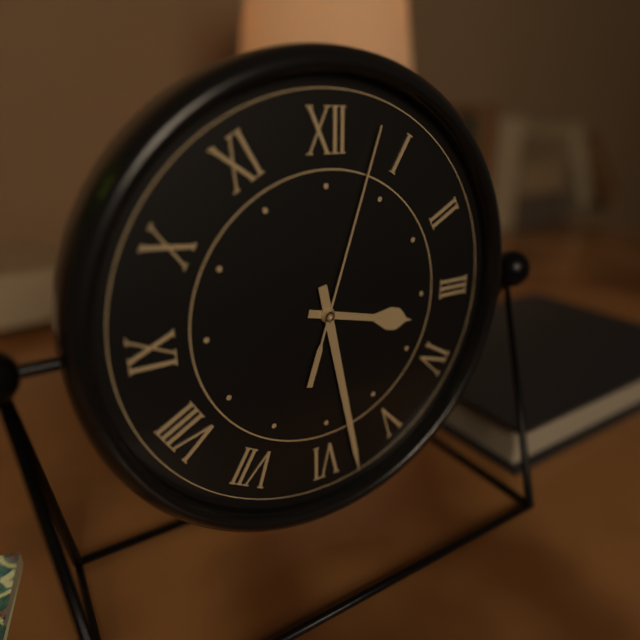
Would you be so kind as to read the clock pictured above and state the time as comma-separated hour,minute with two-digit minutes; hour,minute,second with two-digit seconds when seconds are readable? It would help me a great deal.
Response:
3,28,03
